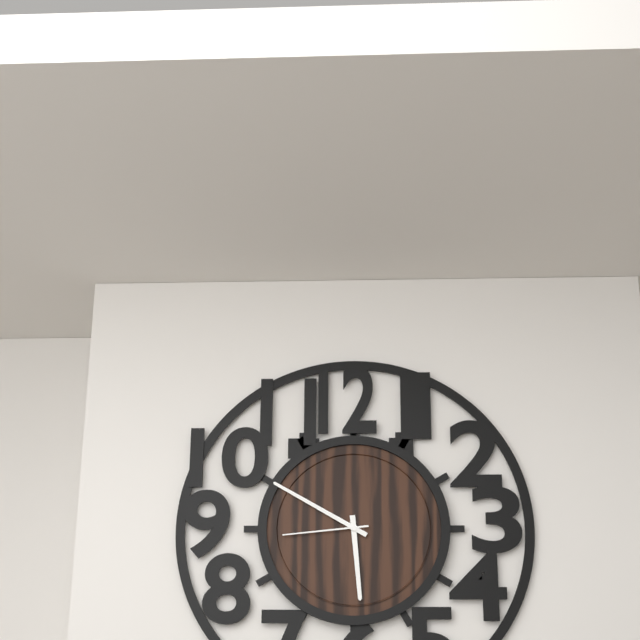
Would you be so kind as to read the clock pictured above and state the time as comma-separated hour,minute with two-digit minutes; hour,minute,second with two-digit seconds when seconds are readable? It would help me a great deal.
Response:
5,50,44
